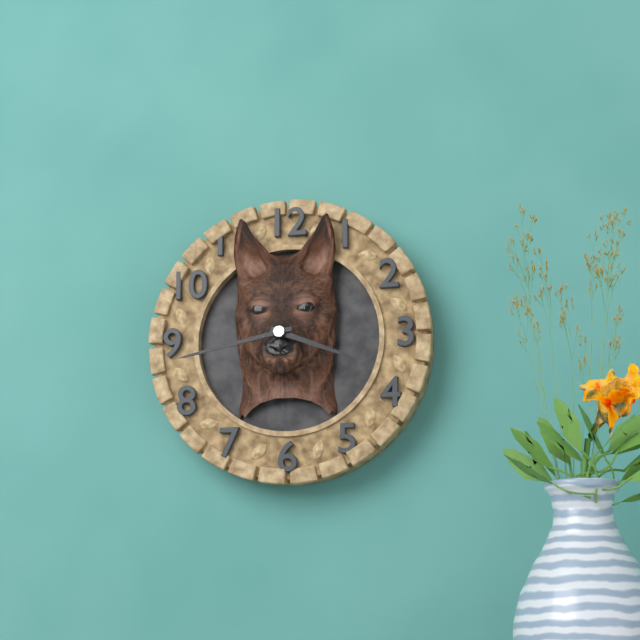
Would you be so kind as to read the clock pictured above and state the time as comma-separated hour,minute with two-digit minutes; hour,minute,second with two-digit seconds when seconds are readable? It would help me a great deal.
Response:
3,43
